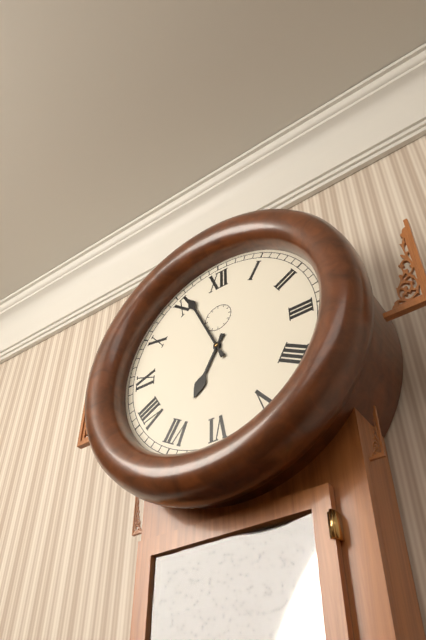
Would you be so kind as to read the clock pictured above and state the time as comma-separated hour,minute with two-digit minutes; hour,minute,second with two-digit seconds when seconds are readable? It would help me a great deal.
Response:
6,56
